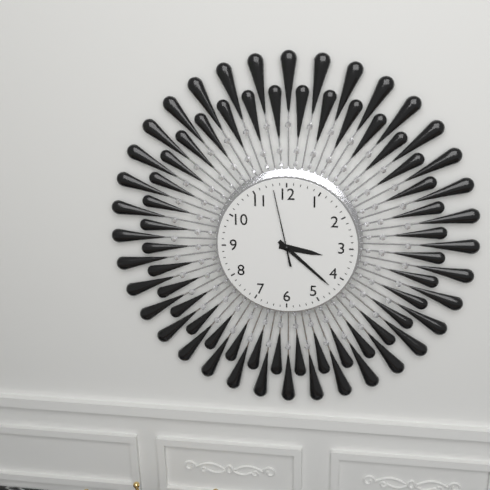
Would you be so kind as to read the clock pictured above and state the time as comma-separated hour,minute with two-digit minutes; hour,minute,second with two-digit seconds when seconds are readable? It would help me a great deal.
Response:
3,22,58
